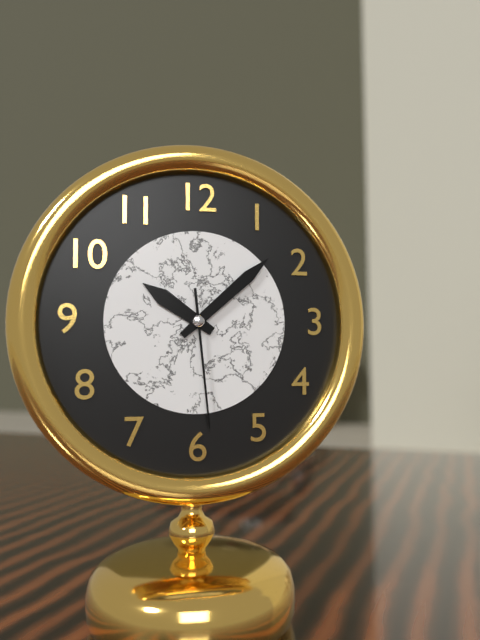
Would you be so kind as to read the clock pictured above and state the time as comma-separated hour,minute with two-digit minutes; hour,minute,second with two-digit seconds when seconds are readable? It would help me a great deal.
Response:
10,08,29
